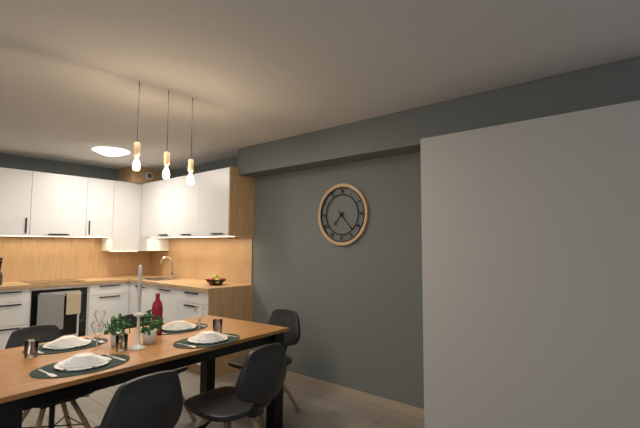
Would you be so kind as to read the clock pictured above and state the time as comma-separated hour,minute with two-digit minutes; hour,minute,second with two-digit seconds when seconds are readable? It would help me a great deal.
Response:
7,23
